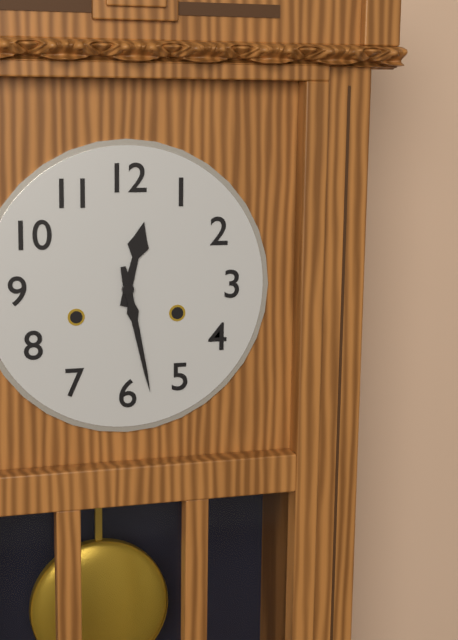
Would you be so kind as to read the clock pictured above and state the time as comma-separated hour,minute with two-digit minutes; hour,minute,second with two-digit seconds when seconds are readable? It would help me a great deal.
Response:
12,28
